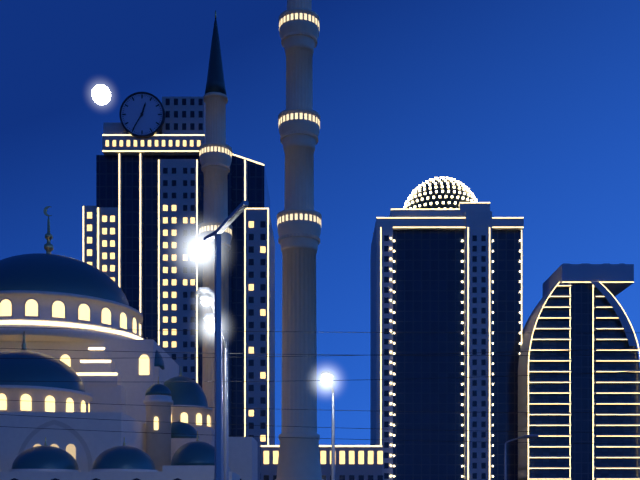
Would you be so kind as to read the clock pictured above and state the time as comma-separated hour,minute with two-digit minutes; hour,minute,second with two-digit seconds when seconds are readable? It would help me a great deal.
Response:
12,35
